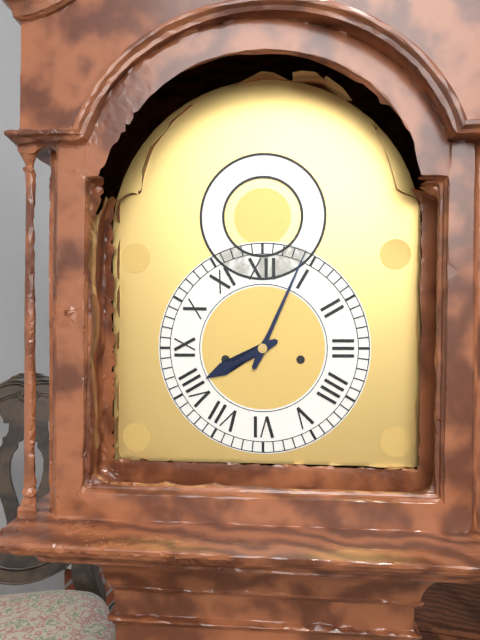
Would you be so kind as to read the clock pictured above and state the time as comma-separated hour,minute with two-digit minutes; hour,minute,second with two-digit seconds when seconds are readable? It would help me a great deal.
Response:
8,04
